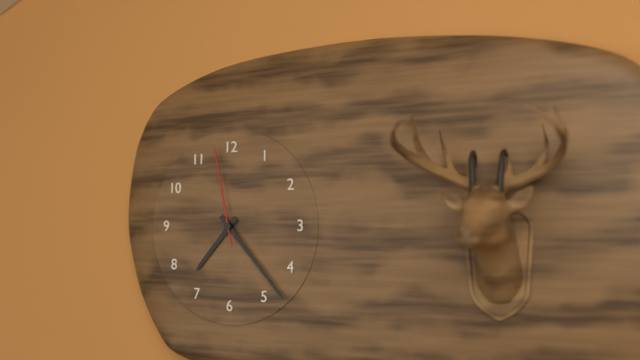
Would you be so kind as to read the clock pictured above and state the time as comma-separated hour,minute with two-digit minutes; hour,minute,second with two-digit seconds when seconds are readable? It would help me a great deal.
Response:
7,23,58
